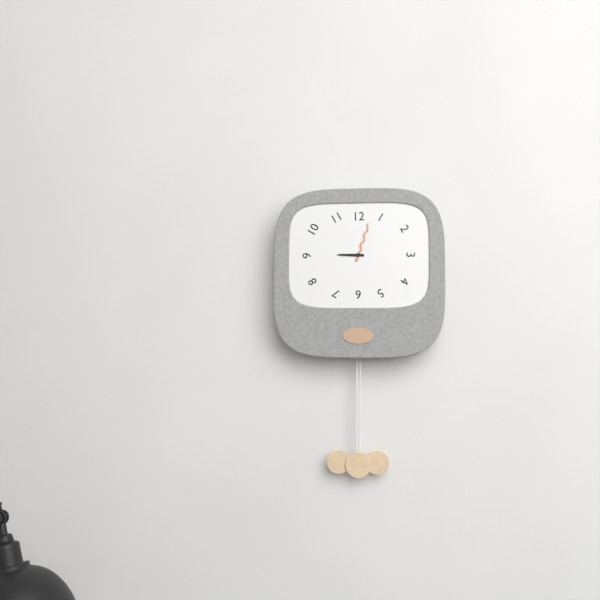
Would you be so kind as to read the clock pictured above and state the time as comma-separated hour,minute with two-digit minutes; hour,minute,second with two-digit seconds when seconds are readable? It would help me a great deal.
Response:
9,03
